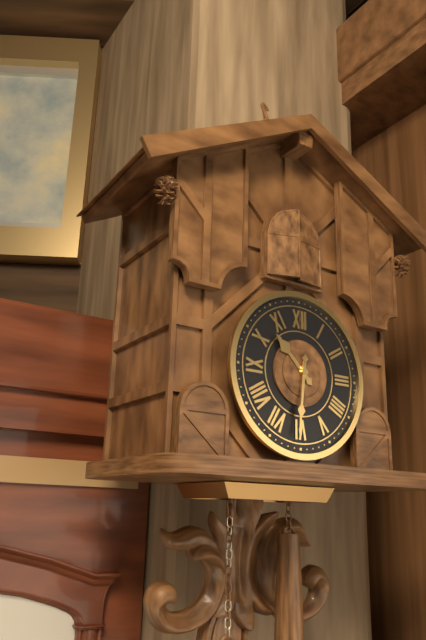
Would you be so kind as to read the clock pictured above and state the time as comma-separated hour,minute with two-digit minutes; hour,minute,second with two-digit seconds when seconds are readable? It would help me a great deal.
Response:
10,31
